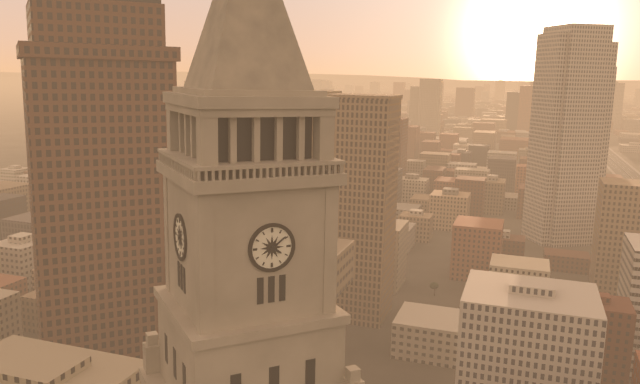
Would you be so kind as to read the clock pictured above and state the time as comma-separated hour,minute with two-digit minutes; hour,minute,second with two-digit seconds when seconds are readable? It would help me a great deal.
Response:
4,09
